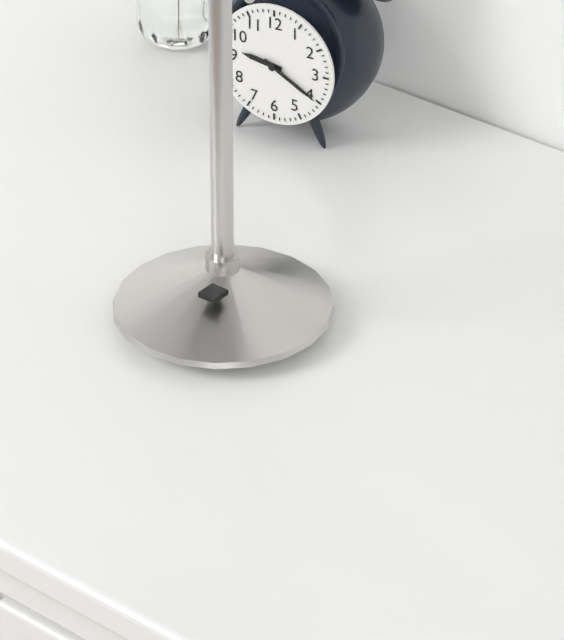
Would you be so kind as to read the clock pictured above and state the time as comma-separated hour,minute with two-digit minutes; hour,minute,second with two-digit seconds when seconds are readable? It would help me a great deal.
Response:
9,20
